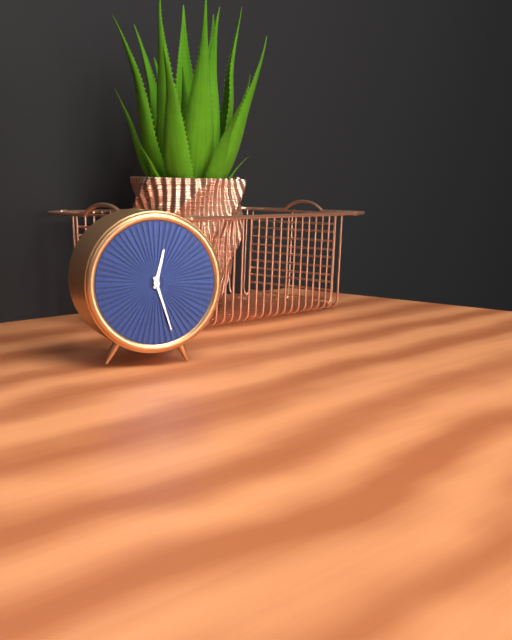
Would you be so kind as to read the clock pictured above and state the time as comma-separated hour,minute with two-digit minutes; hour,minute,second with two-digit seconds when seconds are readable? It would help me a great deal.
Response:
12,27
